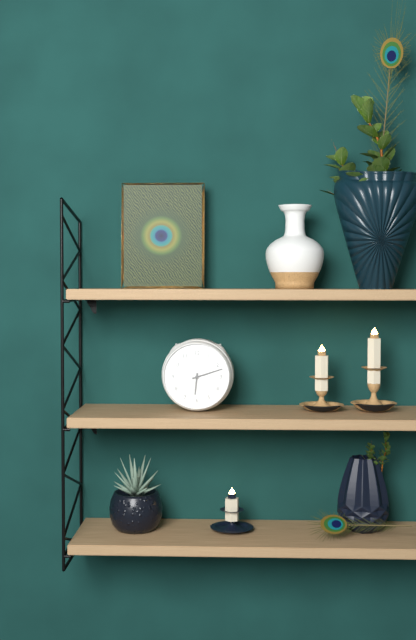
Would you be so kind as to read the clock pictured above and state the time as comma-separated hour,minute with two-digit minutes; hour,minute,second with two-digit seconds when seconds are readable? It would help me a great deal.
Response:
6,12
